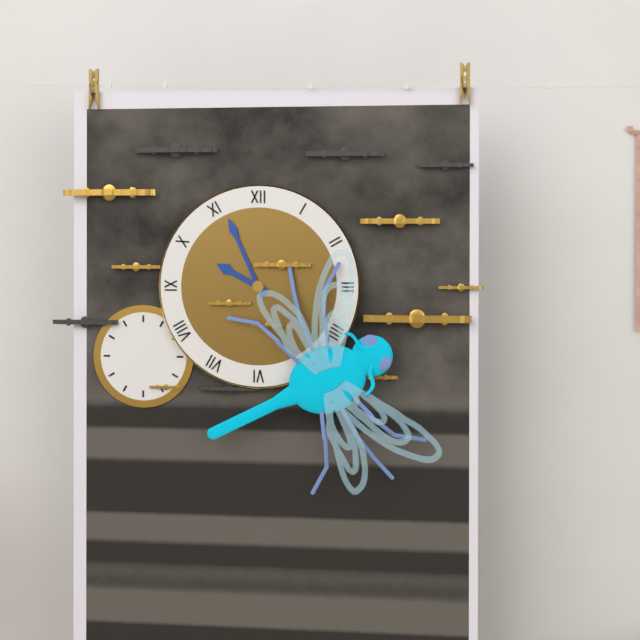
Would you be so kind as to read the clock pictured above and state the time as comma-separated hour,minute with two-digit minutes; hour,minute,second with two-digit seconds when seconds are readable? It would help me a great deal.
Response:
9,56
